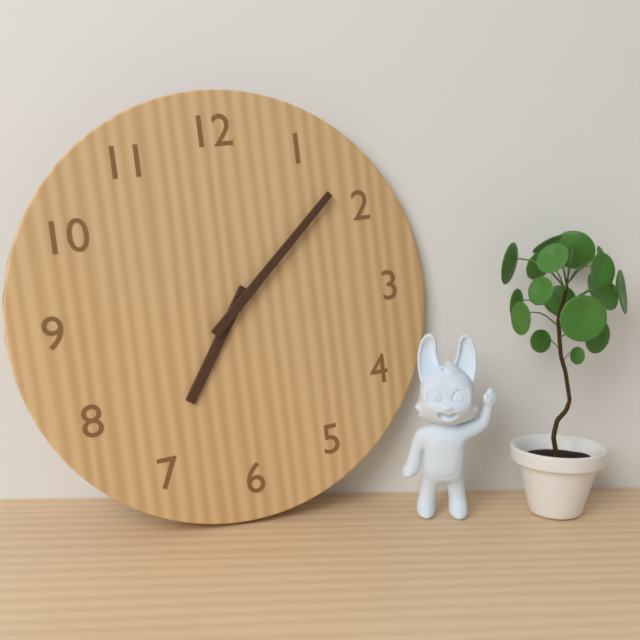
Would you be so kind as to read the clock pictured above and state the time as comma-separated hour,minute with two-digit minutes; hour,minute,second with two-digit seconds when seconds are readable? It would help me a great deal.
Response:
7,08
